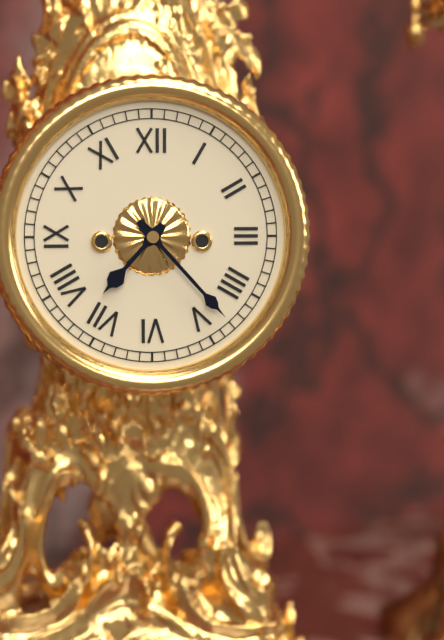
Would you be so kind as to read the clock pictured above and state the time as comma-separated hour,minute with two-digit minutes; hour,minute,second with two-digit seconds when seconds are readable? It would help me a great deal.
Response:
7,23
